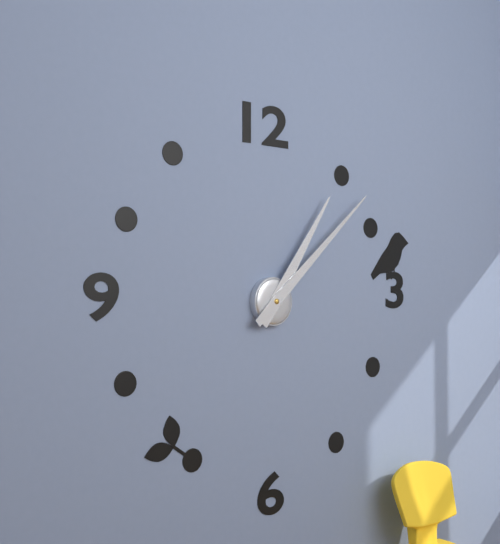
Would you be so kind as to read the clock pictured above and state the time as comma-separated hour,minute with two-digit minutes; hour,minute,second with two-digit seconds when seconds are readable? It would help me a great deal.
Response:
1,08
